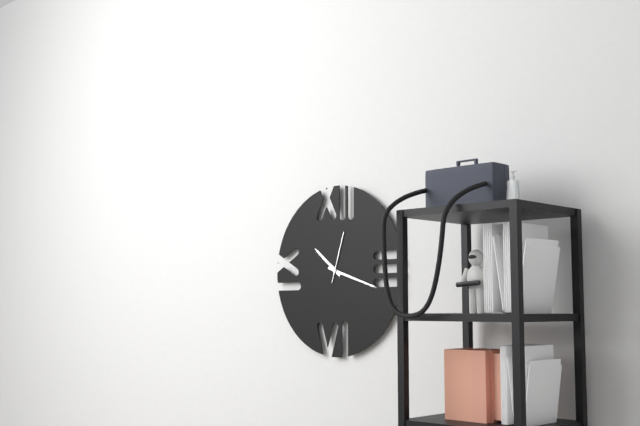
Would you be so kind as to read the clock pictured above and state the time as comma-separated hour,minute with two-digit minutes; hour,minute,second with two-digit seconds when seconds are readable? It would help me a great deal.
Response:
10,18
